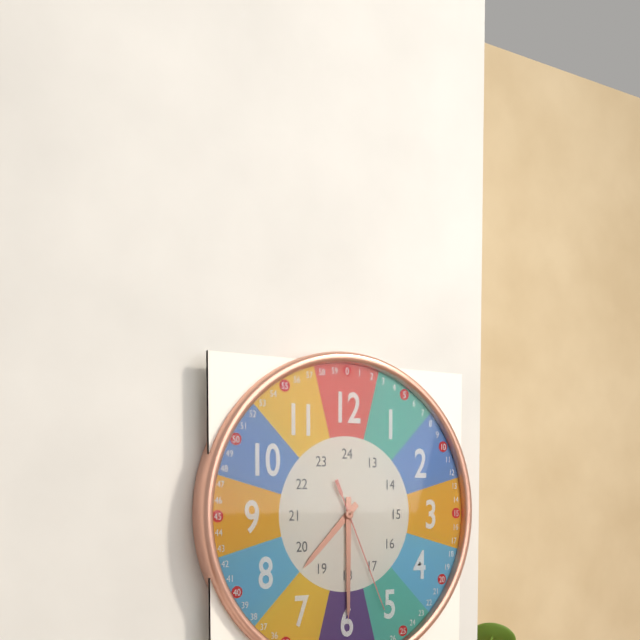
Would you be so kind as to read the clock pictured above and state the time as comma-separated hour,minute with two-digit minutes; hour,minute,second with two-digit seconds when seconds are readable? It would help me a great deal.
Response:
7,30,26
